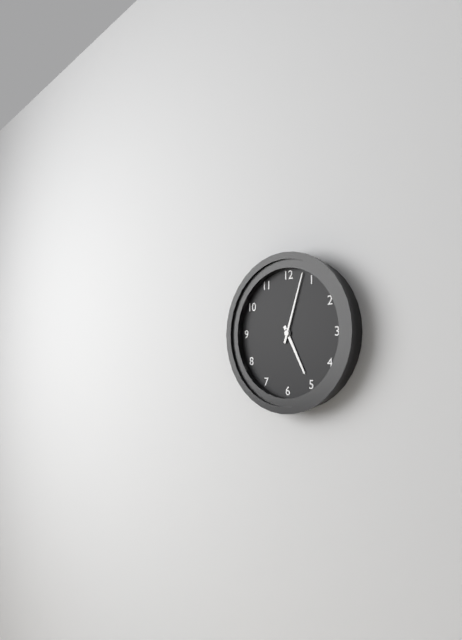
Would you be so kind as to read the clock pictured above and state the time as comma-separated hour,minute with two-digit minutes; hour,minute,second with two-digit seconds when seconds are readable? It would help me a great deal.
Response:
5,03
